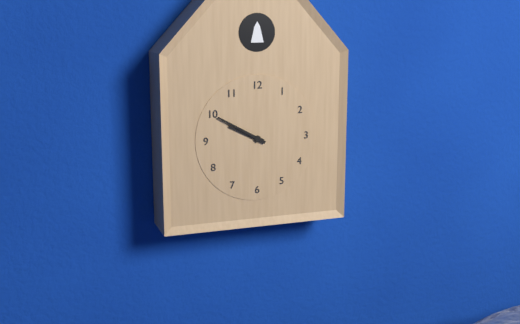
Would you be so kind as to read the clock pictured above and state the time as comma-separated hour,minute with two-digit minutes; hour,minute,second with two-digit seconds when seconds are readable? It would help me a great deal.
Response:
9,50
